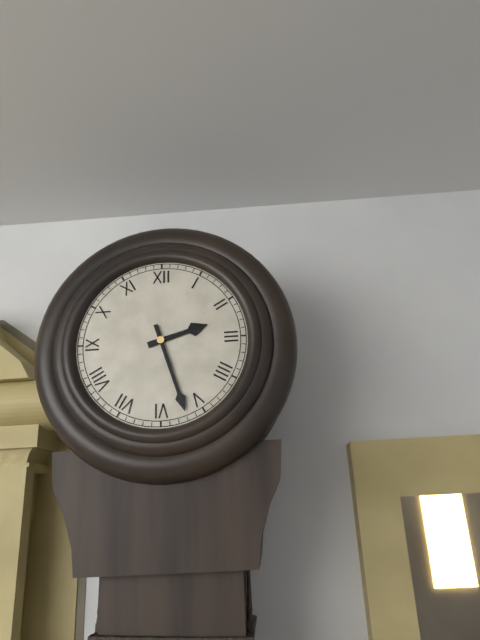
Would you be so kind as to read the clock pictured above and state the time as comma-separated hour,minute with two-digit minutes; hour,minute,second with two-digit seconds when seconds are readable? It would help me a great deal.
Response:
2,27
